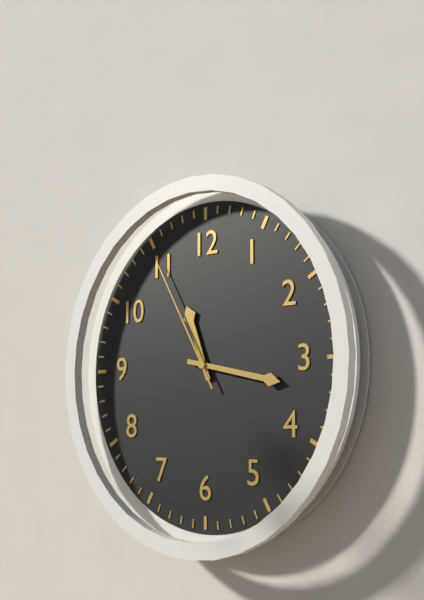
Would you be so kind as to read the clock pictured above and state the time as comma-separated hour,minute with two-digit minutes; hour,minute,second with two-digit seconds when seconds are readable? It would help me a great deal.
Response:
11,17,55
